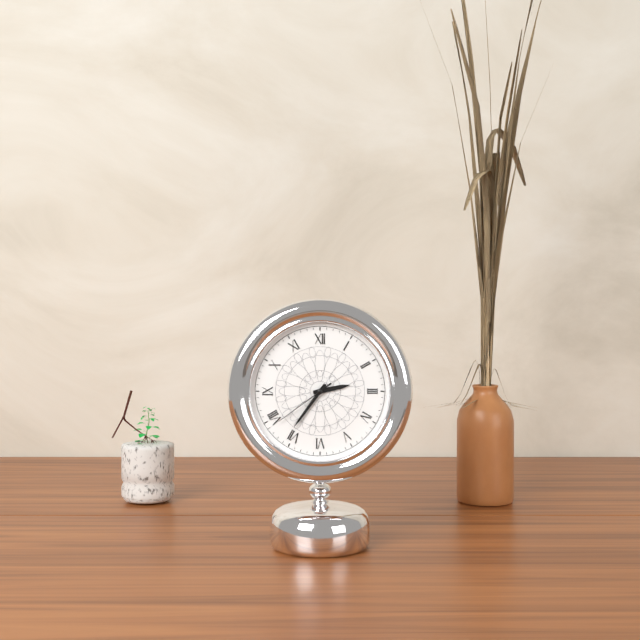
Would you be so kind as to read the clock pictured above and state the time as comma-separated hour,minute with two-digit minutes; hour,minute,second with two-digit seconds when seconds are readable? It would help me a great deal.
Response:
2,36,39
